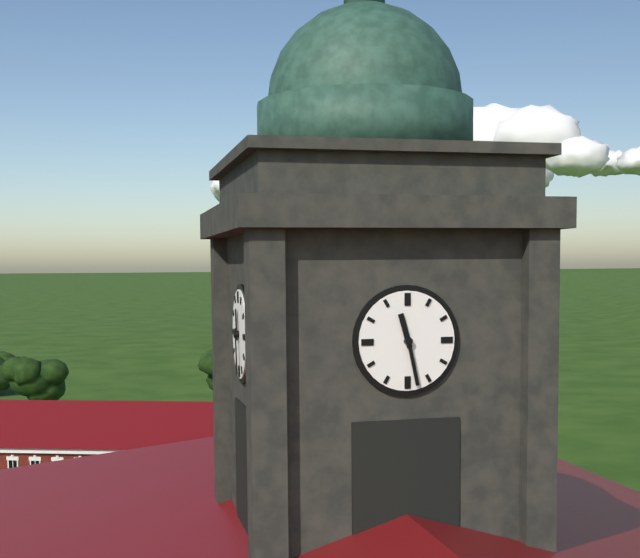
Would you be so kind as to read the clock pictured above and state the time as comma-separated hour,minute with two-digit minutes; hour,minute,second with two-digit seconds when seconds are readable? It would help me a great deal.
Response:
11,28
